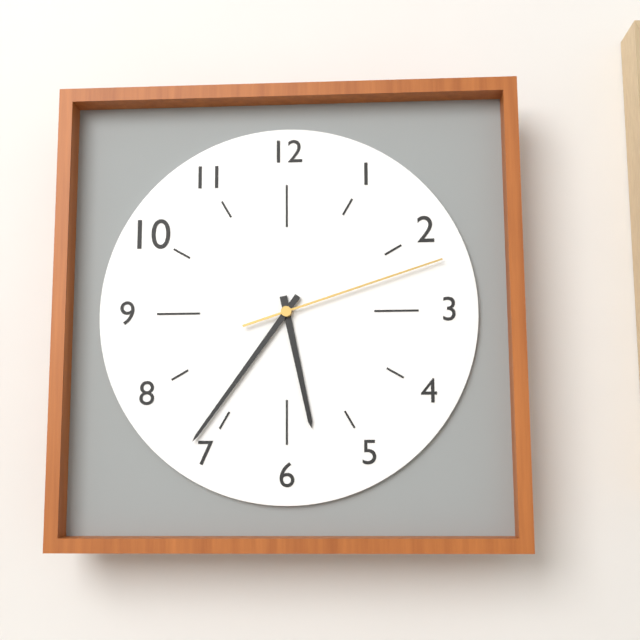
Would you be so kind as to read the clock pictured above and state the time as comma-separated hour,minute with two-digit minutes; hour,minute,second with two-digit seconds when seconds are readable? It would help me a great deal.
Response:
5,36,12
